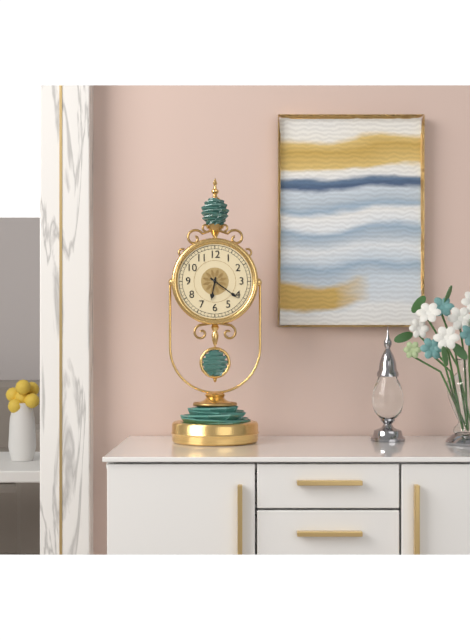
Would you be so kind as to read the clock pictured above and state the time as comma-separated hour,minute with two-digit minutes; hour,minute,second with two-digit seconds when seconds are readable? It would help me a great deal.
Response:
6,21
